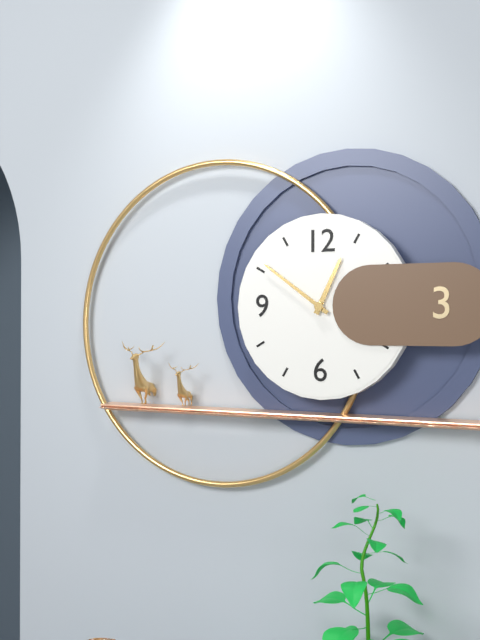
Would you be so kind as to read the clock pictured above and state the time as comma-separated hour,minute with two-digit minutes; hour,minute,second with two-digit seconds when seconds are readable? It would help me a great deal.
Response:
12,51
